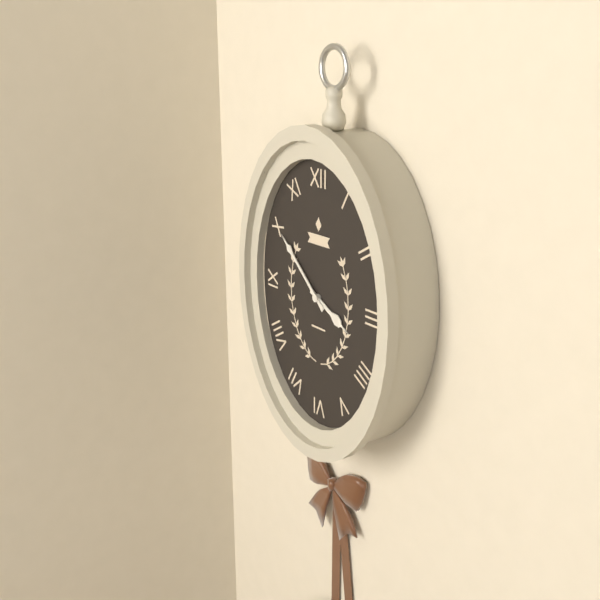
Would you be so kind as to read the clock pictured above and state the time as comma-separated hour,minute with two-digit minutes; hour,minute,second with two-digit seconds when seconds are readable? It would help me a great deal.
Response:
3,52
